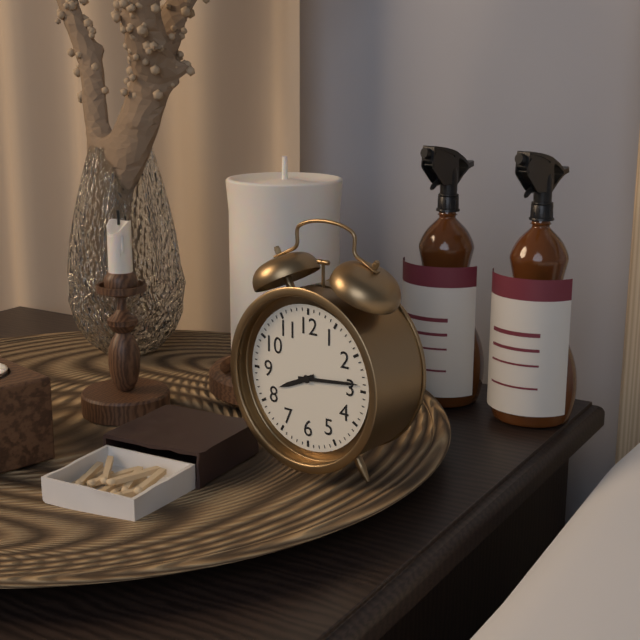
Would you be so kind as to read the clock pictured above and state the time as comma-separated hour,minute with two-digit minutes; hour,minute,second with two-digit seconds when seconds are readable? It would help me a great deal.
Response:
8,14
